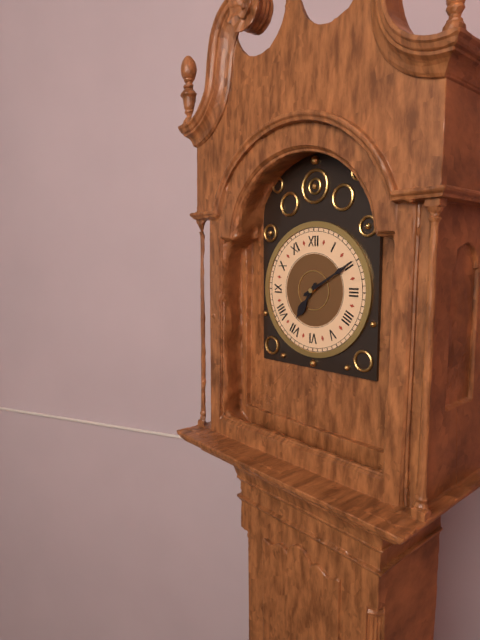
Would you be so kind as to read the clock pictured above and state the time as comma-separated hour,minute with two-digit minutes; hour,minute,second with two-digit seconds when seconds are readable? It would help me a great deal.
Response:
7,10
